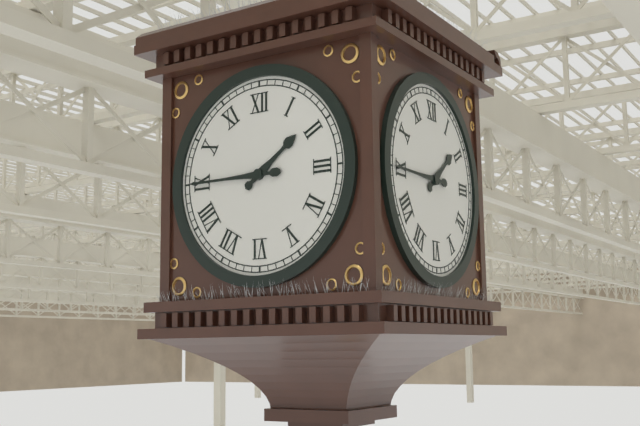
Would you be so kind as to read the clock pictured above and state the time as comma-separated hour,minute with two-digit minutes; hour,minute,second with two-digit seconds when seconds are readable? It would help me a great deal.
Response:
1,45
